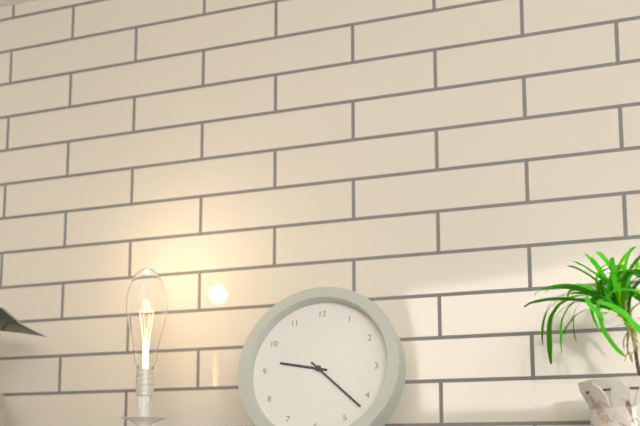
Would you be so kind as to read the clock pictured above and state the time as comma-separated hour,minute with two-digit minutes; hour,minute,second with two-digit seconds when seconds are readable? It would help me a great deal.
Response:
9,22
